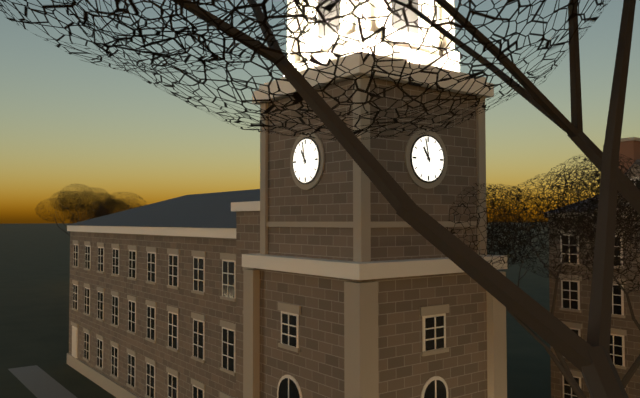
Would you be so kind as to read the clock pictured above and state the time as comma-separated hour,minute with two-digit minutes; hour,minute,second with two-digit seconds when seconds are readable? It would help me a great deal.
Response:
10,58
